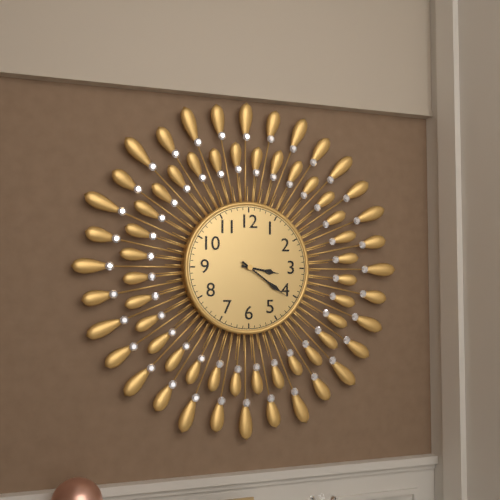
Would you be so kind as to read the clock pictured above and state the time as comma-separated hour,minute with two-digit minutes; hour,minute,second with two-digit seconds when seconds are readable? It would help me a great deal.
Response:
3,21
